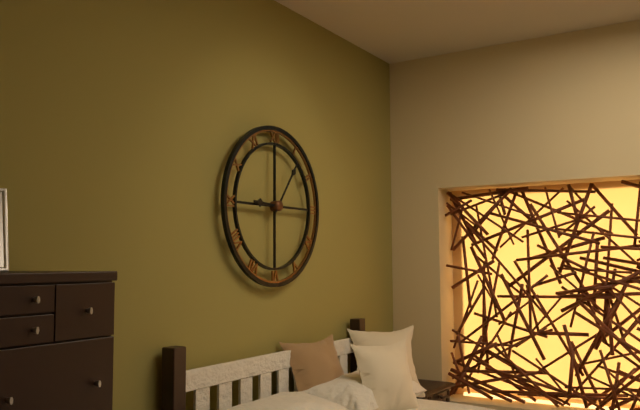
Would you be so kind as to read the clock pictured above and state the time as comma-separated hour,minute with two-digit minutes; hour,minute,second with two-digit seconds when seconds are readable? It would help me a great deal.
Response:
9,06
